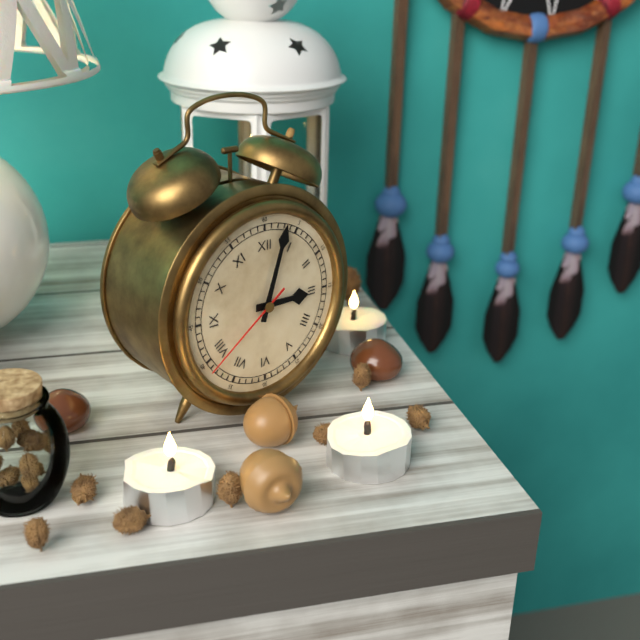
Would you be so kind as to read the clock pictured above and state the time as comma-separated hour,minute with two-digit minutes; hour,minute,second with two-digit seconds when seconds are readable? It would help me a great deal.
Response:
3,03,39
